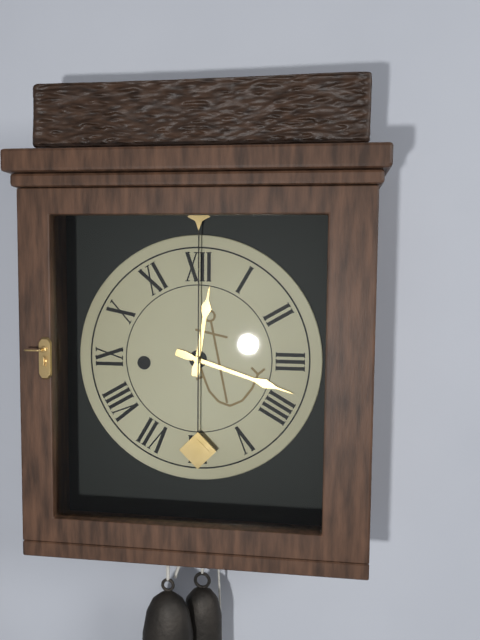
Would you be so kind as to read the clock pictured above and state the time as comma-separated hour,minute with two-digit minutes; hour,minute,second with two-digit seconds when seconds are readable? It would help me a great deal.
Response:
12,18
